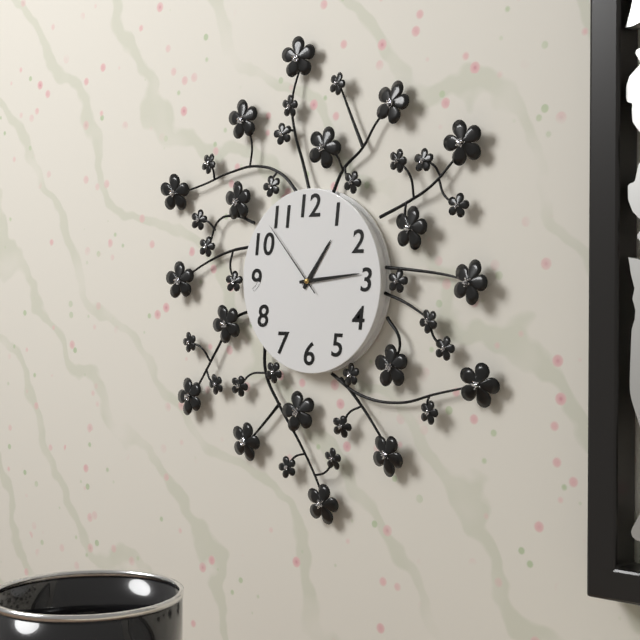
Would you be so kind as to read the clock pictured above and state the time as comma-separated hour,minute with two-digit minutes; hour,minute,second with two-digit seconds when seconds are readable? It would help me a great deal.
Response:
1,14,53
